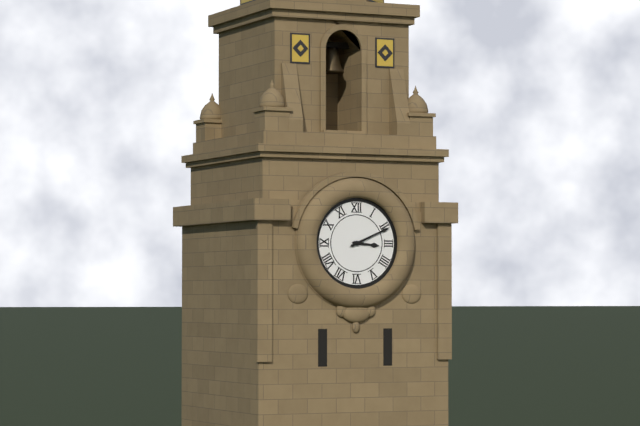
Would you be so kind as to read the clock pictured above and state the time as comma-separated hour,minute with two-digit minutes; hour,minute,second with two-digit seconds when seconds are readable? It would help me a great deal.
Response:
3,11
